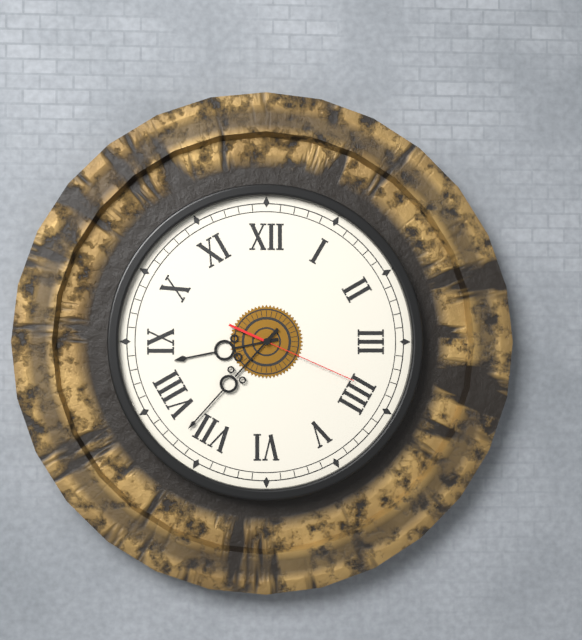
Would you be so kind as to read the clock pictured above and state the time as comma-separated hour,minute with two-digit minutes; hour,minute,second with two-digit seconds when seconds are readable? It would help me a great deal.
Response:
8,37,19
